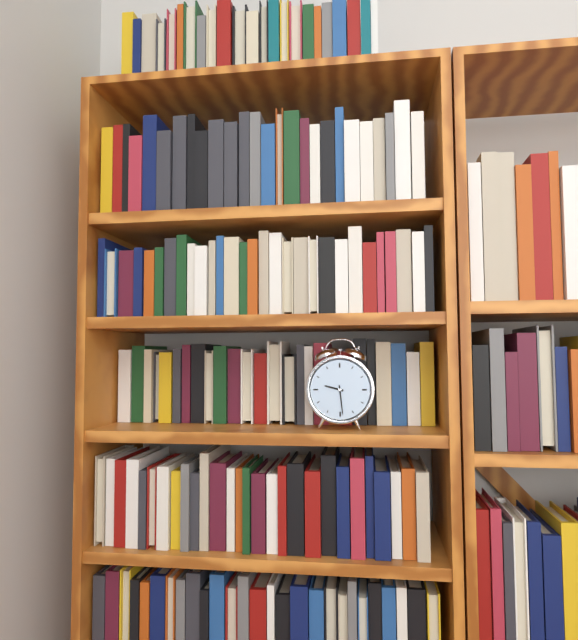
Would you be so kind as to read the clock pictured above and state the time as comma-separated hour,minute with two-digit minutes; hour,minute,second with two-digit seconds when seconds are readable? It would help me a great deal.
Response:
9,29
